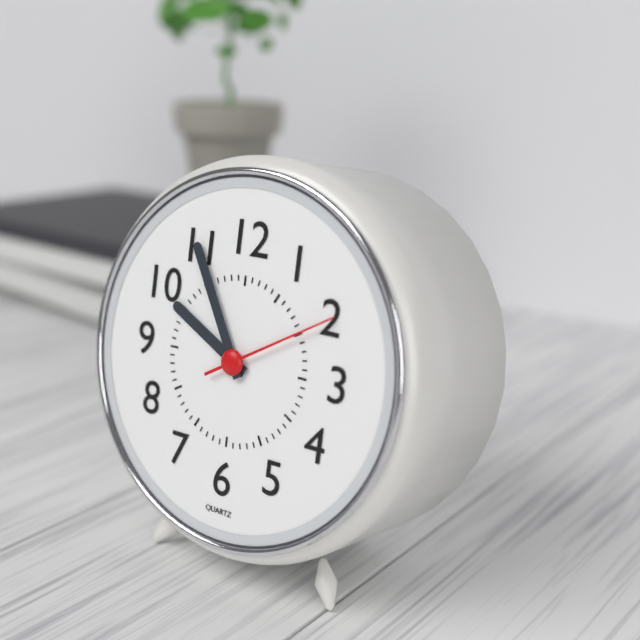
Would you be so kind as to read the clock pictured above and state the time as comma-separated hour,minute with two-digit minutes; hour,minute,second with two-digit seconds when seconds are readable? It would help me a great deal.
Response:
9,55,10
